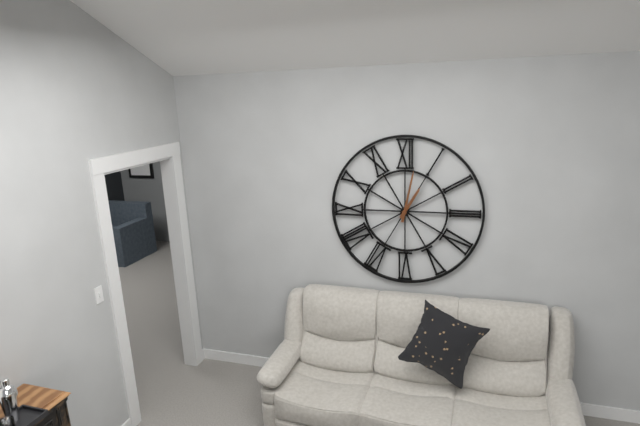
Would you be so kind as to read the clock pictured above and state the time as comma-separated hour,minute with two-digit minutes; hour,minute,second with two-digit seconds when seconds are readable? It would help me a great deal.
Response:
1,02
